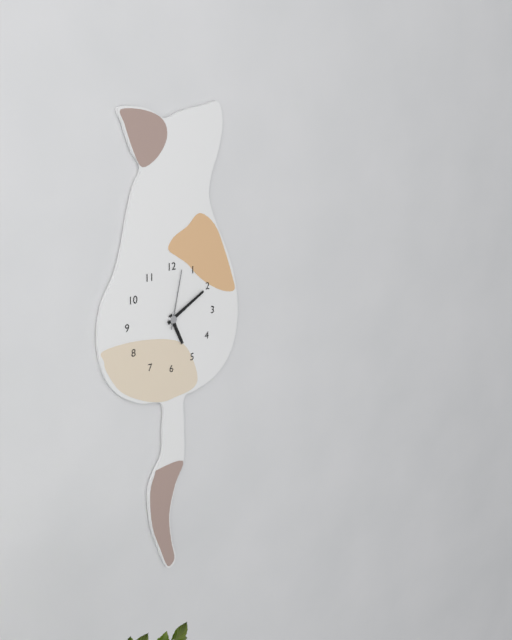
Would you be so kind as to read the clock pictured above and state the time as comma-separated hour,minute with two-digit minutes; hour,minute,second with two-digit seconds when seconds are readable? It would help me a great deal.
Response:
5,10,02
